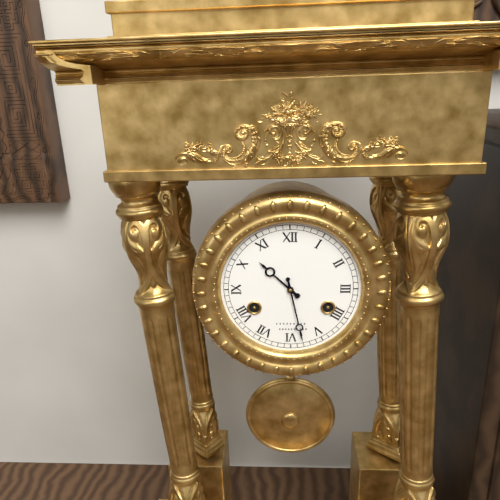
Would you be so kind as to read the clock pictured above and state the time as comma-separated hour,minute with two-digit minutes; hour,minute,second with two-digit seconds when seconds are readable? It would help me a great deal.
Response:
10,28
